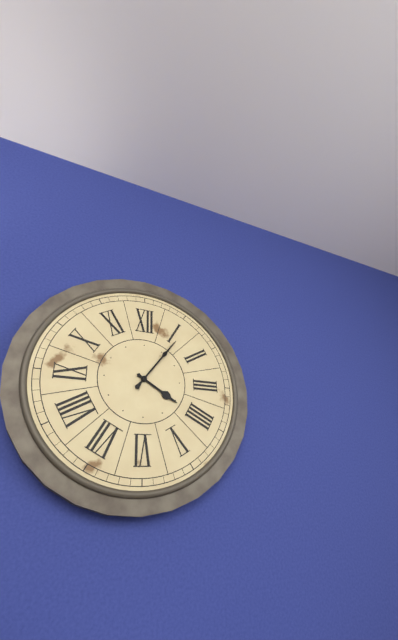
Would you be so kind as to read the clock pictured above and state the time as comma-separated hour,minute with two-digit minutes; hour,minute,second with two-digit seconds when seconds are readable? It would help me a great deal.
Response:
4,06
